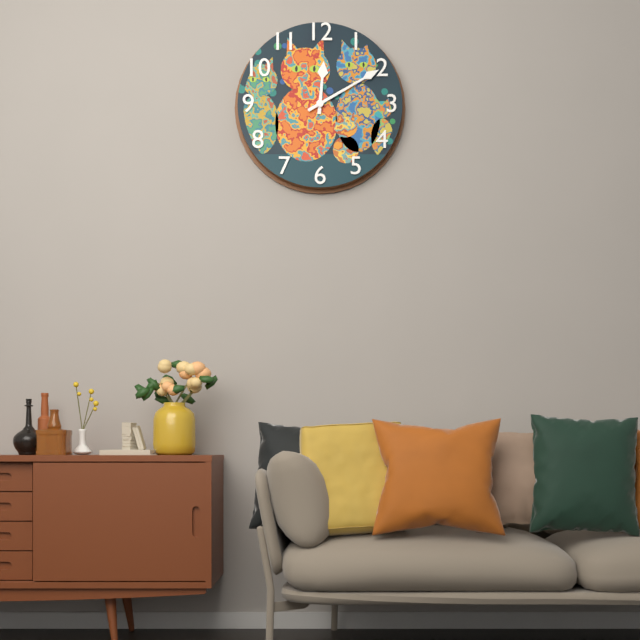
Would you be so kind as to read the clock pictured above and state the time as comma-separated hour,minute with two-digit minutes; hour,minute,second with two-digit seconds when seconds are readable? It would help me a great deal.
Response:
12,10
